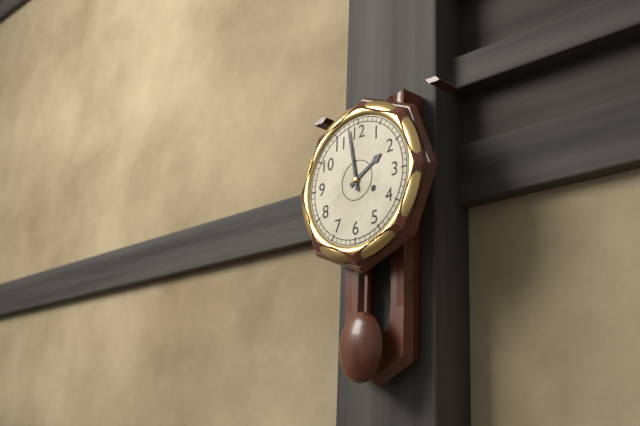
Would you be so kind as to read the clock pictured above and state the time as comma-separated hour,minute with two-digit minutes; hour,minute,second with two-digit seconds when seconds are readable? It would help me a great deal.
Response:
1,58
